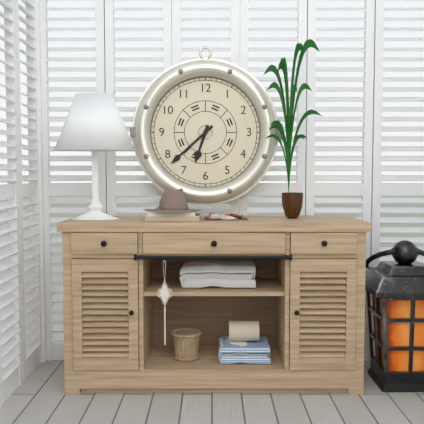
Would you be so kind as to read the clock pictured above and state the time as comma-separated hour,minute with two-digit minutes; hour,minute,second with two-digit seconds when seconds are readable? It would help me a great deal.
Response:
6,38
